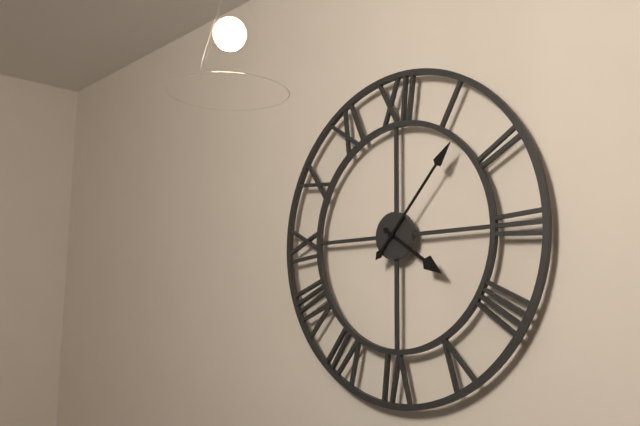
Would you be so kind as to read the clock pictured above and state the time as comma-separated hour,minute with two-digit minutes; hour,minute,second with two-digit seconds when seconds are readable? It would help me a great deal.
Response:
4,07
